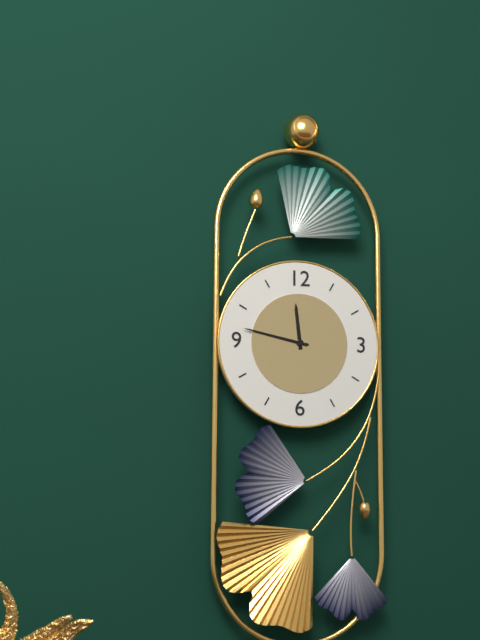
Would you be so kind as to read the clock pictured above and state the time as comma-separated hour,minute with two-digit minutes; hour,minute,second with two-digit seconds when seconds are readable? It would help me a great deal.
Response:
11,47
